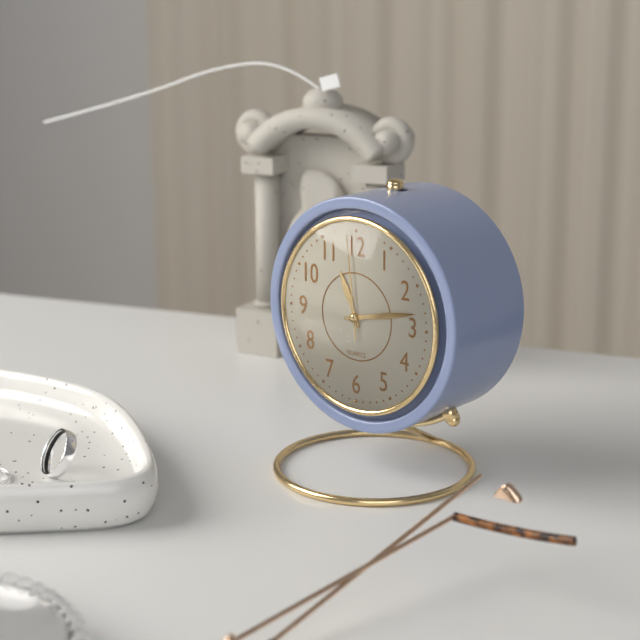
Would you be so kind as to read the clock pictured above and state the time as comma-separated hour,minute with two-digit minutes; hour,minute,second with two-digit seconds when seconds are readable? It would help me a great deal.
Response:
11,13,59
